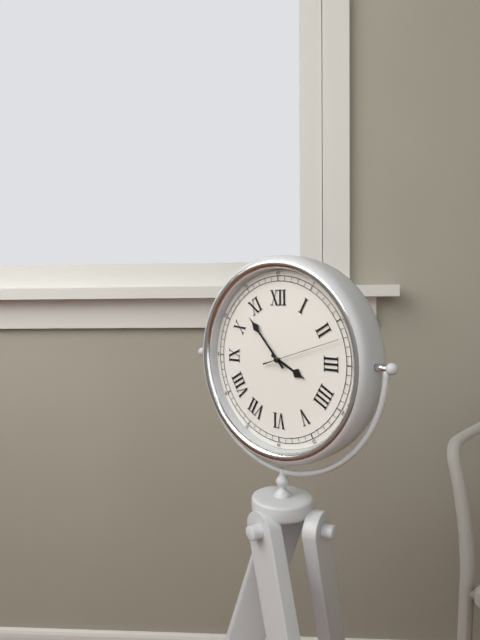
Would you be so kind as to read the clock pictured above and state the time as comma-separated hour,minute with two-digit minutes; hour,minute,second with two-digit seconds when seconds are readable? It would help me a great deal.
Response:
3,53,12
